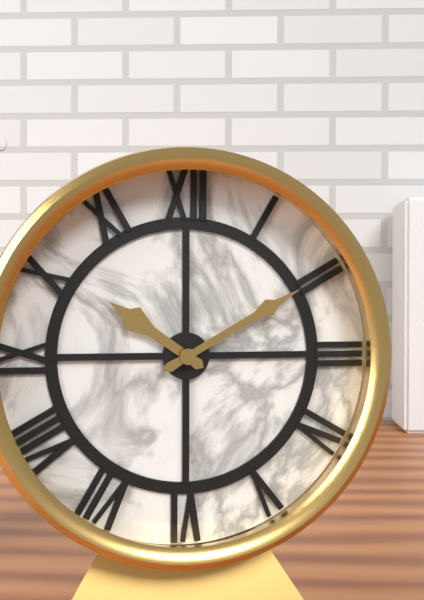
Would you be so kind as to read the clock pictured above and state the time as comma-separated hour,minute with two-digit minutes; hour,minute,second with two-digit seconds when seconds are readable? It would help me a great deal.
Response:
10,10
